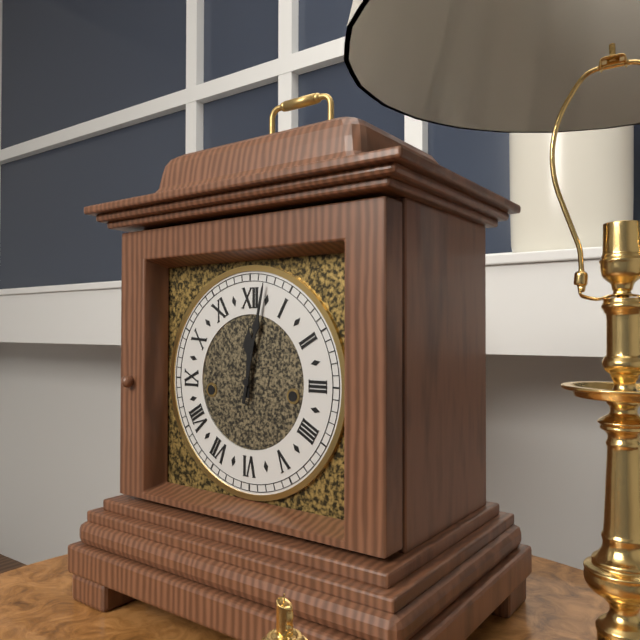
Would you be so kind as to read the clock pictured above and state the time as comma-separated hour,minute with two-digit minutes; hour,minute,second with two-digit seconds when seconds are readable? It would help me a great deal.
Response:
12,02
